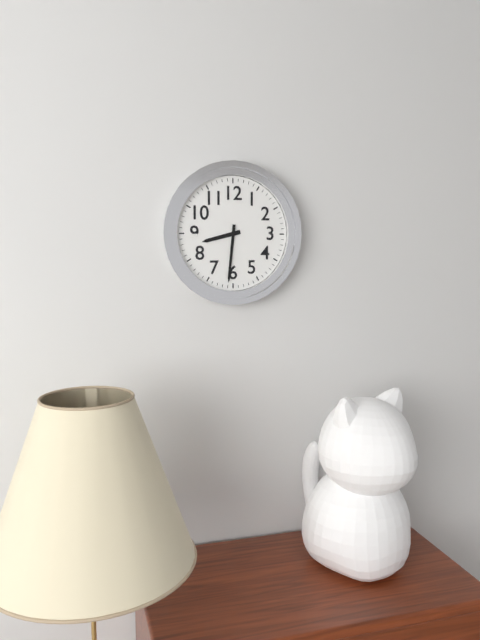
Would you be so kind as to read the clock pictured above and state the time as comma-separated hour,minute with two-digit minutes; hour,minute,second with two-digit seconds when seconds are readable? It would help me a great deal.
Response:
8,31
